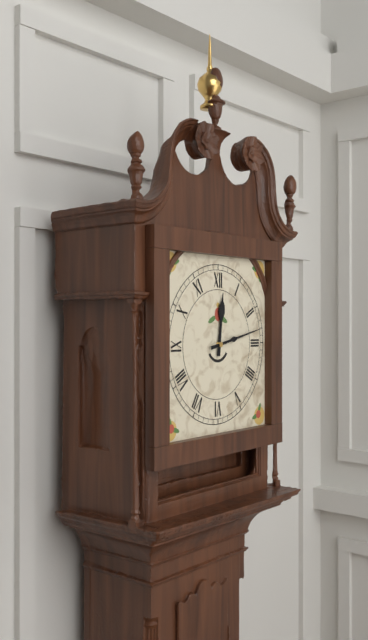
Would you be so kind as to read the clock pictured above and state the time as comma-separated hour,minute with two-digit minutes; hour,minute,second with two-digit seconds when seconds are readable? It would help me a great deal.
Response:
12,13
